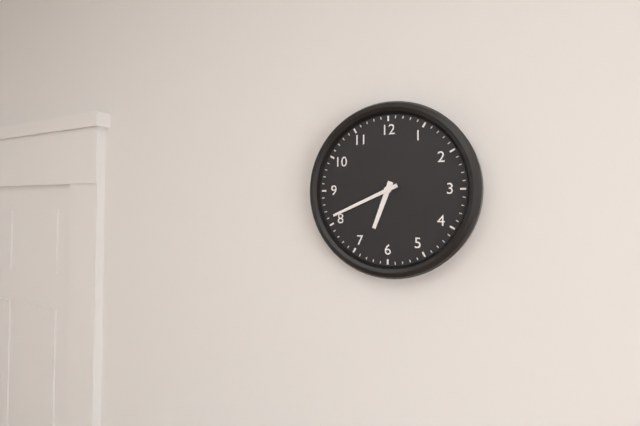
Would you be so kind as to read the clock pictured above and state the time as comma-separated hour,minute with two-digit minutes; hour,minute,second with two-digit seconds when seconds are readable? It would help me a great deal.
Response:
6,41
